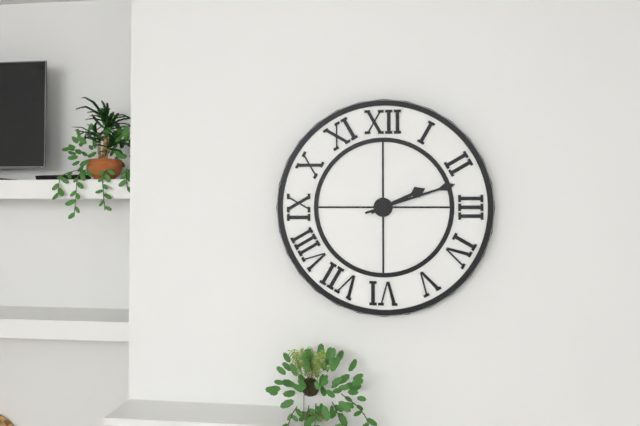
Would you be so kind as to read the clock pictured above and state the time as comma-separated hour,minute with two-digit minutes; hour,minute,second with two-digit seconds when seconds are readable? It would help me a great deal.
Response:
2,12
